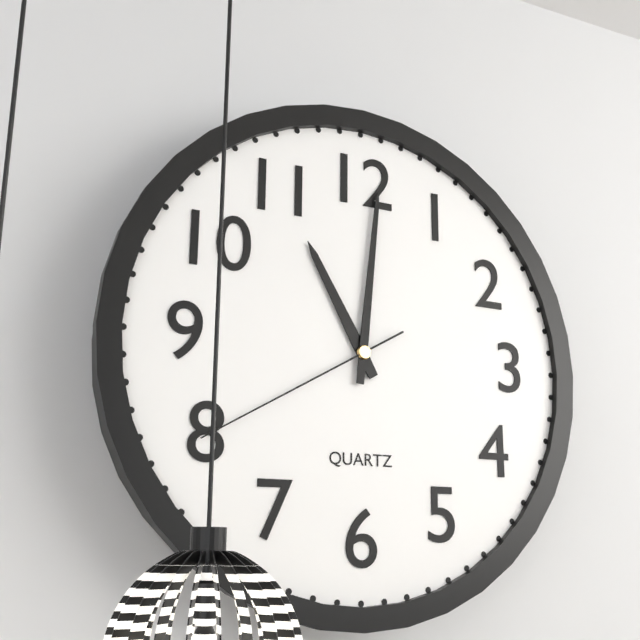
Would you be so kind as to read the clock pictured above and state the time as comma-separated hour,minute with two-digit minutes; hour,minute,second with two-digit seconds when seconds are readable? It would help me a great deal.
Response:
11,01,40
